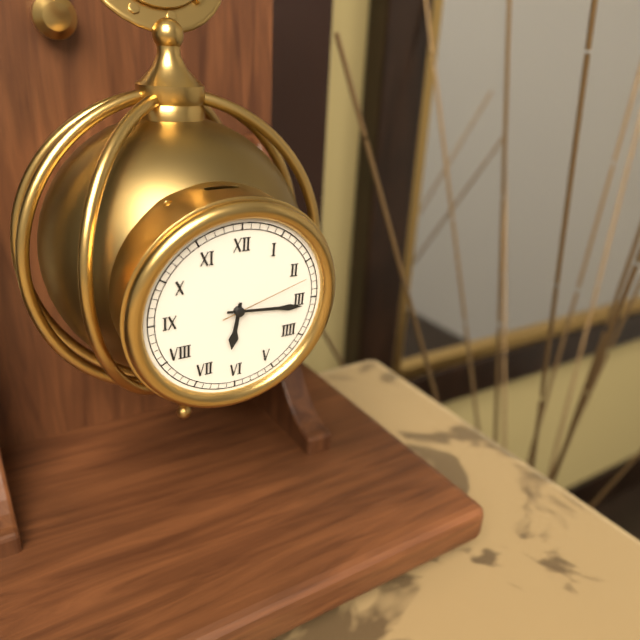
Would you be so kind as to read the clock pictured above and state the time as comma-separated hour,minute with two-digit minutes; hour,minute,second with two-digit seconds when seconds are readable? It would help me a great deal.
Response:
6,16,12
